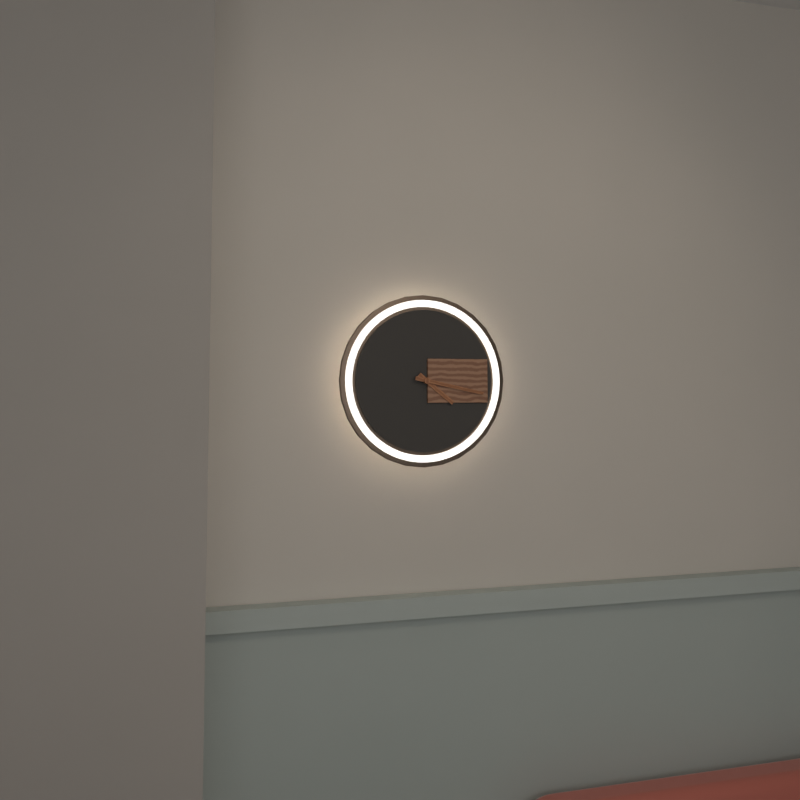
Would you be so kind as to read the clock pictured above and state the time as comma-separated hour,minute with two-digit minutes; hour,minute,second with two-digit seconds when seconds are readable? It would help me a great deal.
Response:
4,17
